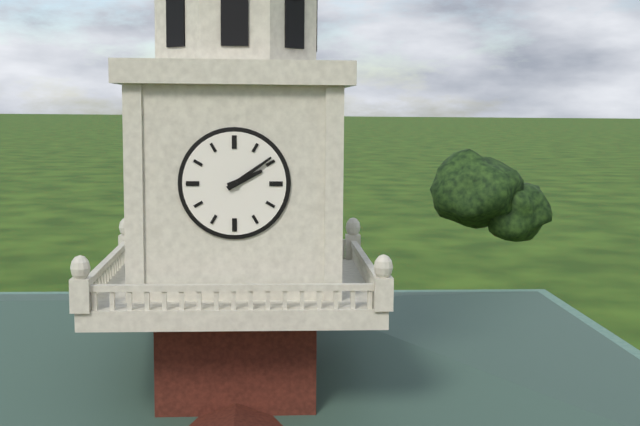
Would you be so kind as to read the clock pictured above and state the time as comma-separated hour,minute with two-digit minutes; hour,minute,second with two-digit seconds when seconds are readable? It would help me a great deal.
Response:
2,09
